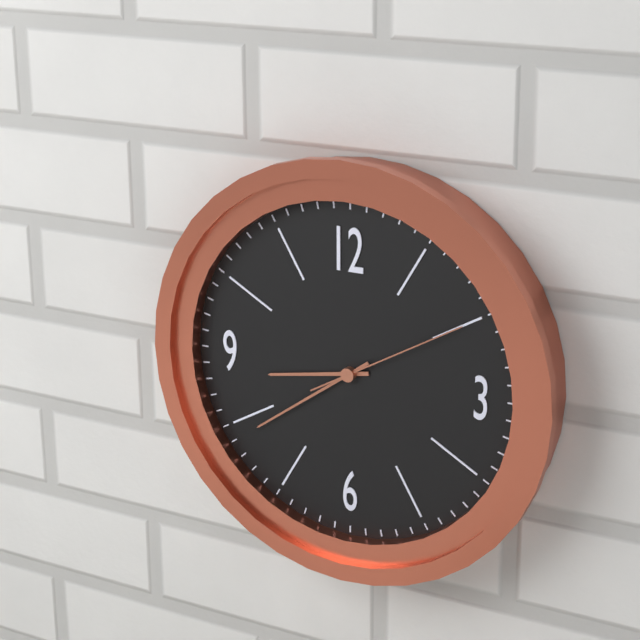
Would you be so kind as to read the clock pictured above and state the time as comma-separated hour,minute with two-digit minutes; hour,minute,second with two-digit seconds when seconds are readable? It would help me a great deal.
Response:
8,39,10
